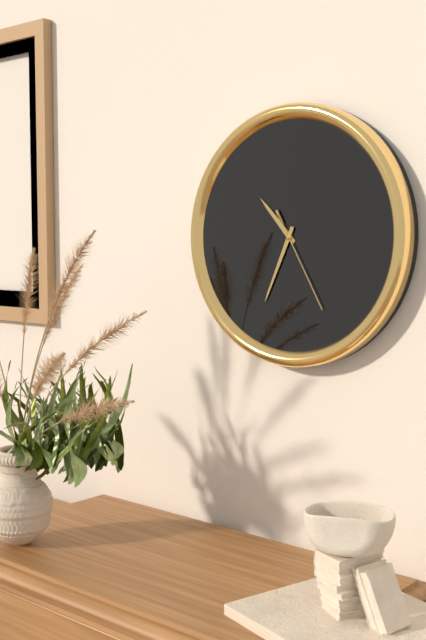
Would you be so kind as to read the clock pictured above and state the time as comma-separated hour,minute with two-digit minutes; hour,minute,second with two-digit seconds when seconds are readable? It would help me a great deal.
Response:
10,34,25
